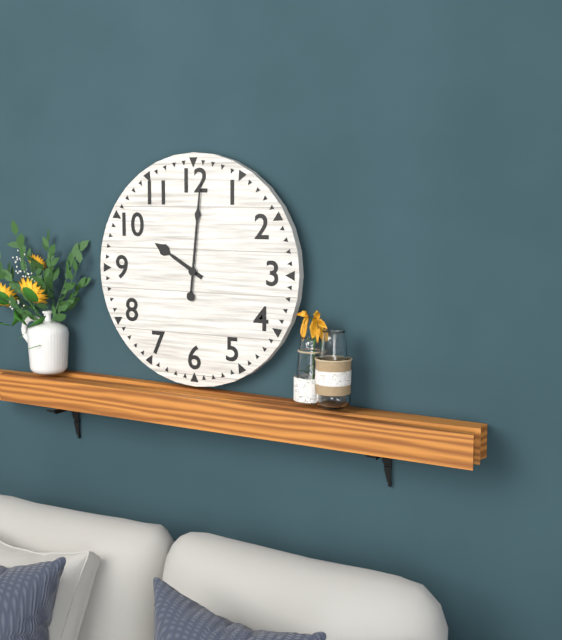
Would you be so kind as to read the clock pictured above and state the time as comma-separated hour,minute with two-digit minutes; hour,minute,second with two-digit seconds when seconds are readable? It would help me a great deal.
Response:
10,01
